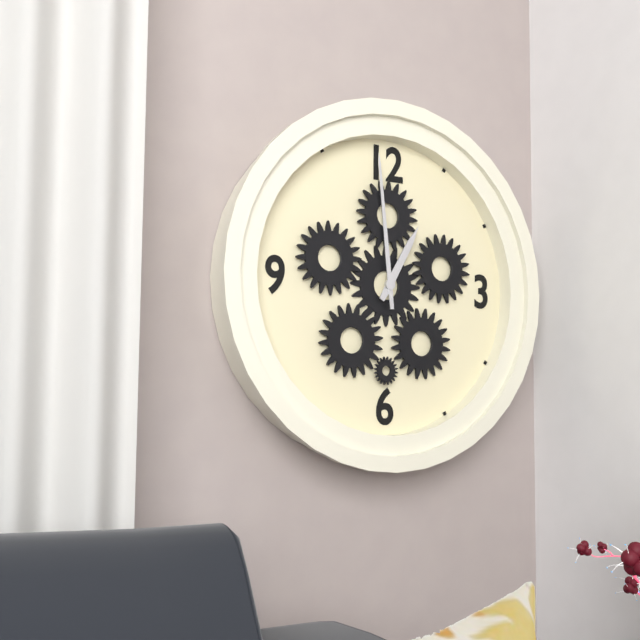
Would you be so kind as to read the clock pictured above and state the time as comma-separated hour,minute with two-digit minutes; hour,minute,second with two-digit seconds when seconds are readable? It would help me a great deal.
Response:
12,59
